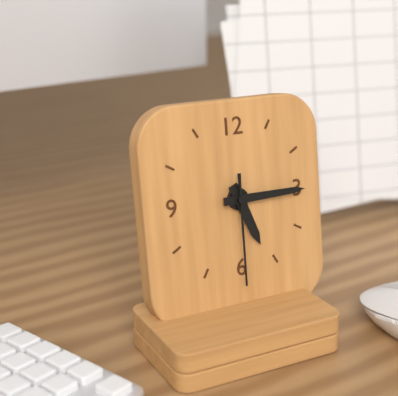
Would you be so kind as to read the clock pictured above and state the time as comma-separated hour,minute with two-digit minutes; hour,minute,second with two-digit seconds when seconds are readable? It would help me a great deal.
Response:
5,15,30
